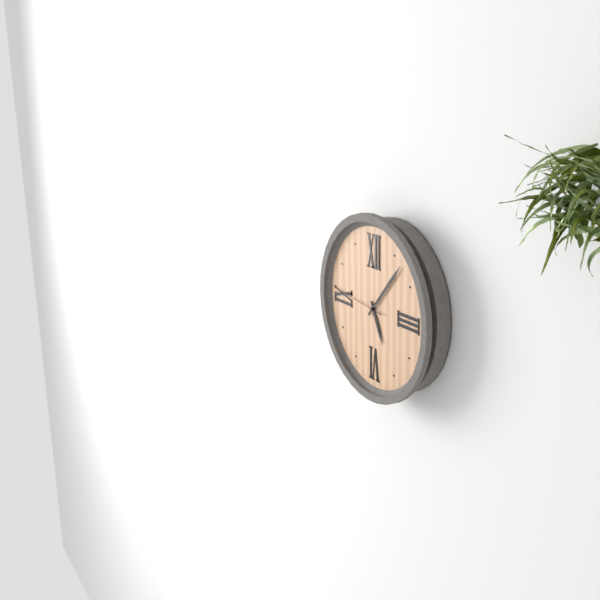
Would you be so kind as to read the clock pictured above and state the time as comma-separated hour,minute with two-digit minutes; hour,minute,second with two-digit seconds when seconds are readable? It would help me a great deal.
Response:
5,07,46
